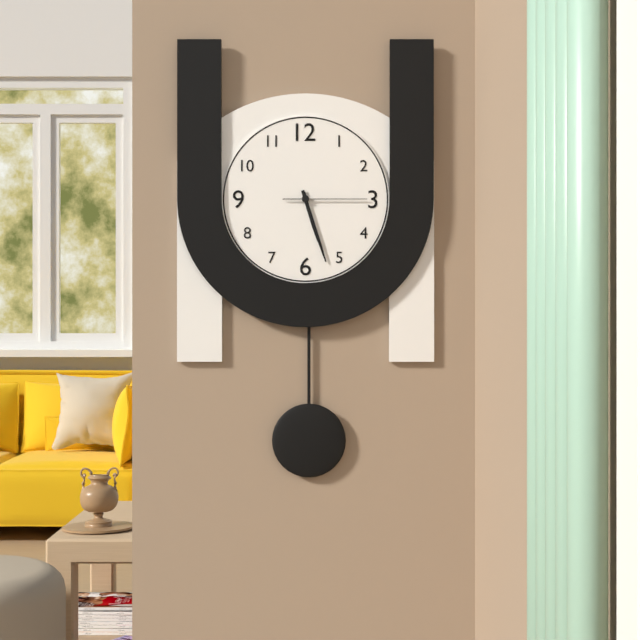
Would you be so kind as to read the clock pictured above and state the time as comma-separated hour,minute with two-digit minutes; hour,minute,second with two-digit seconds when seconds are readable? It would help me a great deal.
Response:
5,27,15
